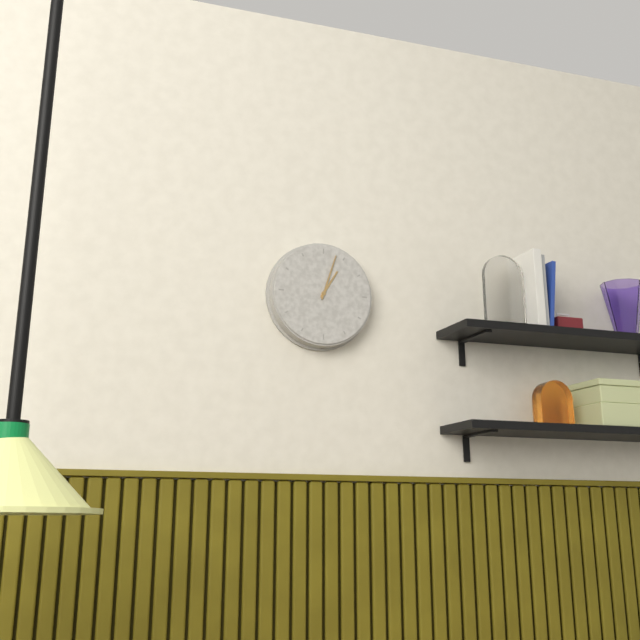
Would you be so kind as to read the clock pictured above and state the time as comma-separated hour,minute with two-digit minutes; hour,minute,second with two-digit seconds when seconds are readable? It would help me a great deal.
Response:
1,03
